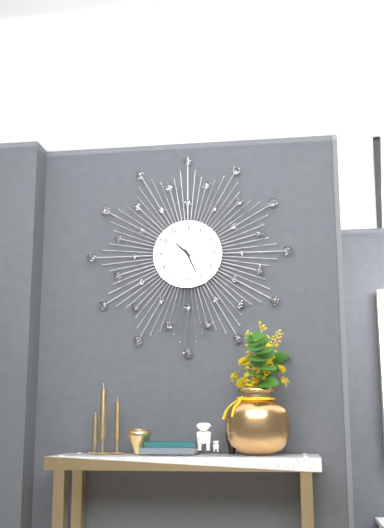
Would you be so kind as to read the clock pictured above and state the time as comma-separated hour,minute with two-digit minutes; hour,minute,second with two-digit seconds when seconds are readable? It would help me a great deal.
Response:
10,26
